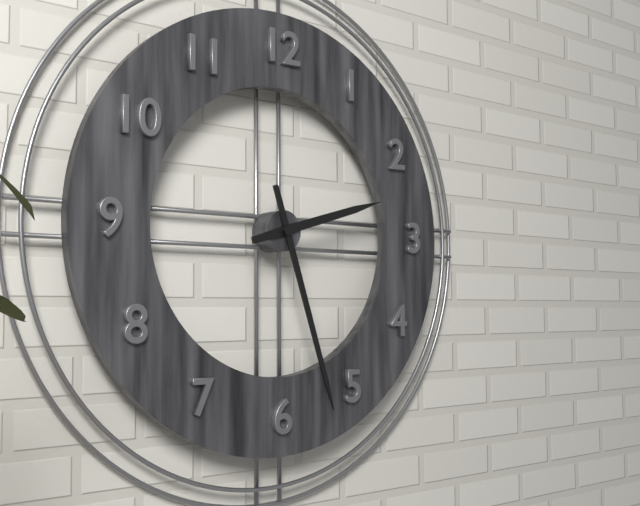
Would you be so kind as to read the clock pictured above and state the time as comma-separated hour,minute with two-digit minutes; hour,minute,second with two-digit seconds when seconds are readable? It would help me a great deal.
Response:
2,27
